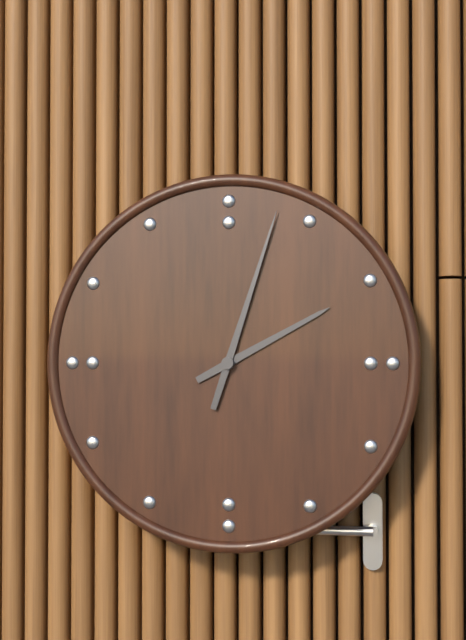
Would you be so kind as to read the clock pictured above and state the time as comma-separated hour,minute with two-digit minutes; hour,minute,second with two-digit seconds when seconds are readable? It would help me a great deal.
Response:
2,03
